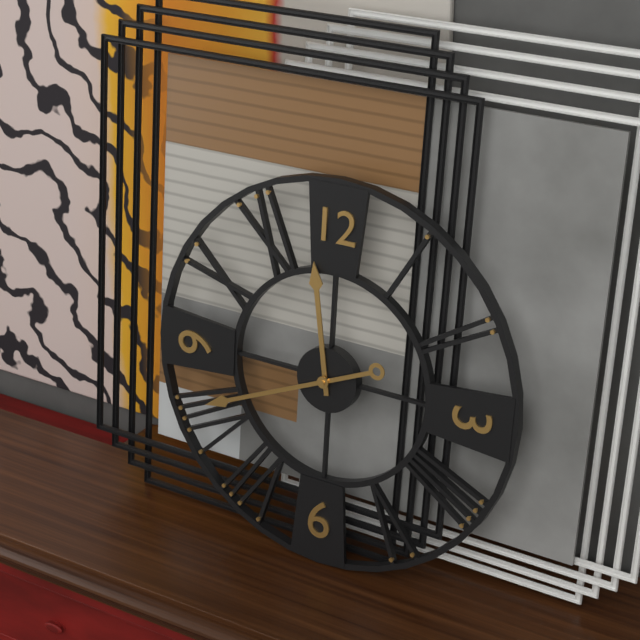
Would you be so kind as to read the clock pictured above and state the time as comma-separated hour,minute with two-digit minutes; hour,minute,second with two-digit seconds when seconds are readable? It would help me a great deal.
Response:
11,41
